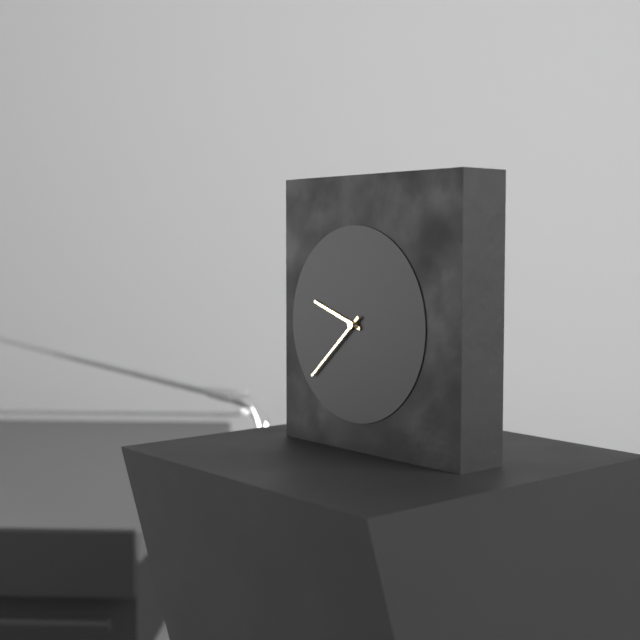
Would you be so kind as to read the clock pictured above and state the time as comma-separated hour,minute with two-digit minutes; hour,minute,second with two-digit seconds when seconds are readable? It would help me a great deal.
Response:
9,38
